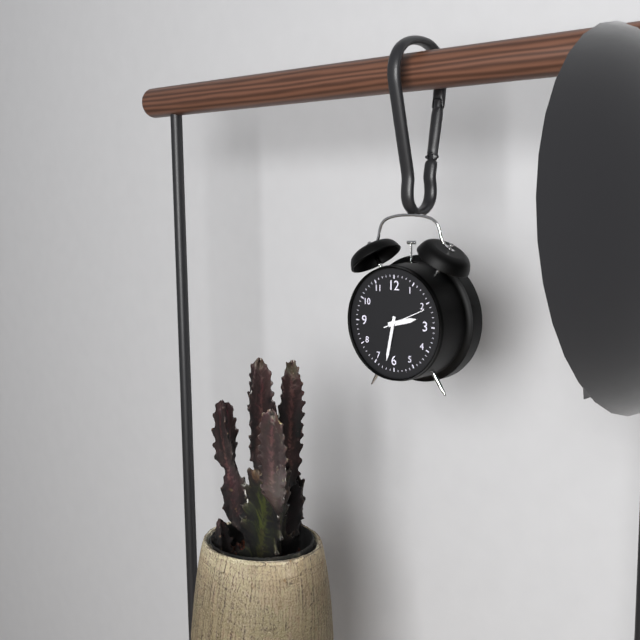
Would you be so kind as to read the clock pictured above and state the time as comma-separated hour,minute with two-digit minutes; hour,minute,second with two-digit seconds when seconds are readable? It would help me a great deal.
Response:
2,32
